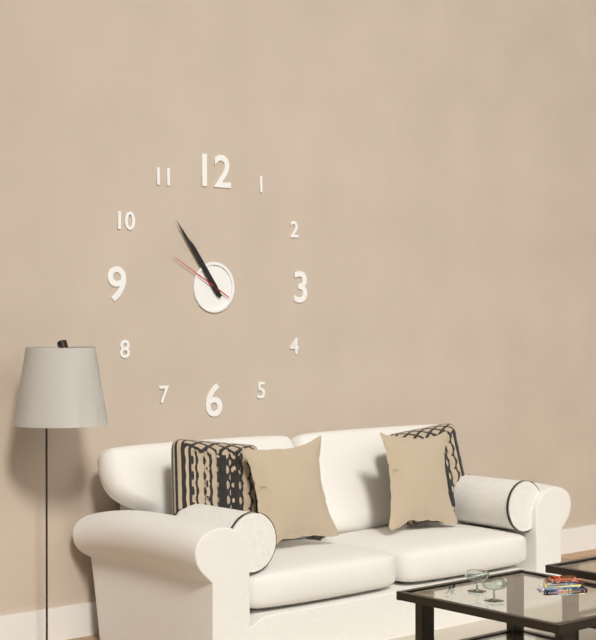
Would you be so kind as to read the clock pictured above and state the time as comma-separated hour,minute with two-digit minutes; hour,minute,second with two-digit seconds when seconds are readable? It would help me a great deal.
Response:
10,54,50
